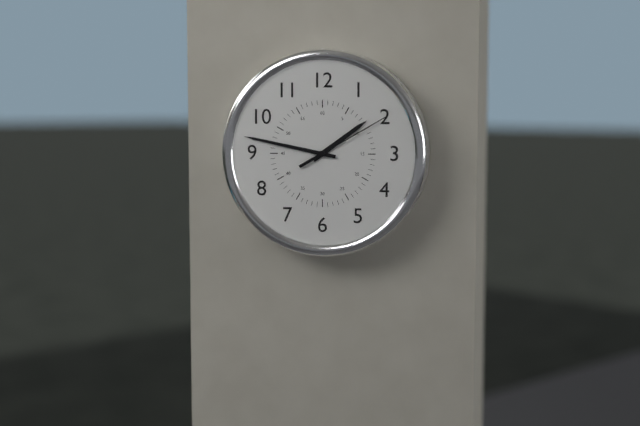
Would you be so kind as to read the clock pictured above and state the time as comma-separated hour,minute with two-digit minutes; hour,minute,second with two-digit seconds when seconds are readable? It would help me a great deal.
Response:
1,47,10
